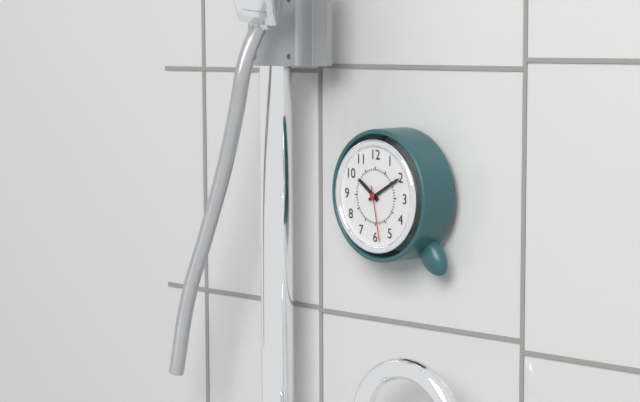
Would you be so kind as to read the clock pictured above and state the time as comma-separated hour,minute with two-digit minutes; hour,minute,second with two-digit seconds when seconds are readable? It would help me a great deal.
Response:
10,10,28
